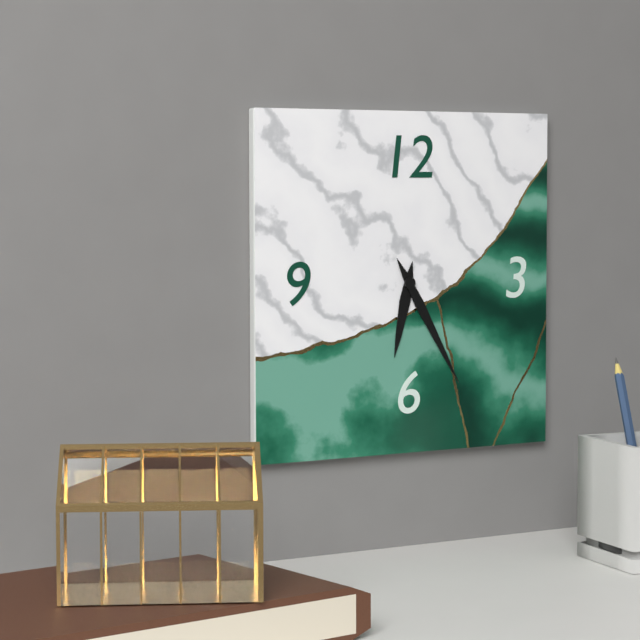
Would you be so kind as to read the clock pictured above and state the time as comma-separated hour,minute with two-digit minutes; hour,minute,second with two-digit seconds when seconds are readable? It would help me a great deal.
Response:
6,25
